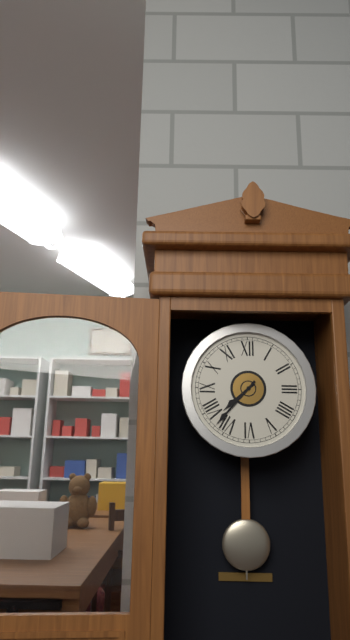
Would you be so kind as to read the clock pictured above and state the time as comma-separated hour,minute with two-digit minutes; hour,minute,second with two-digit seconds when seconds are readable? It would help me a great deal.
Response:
7,37
